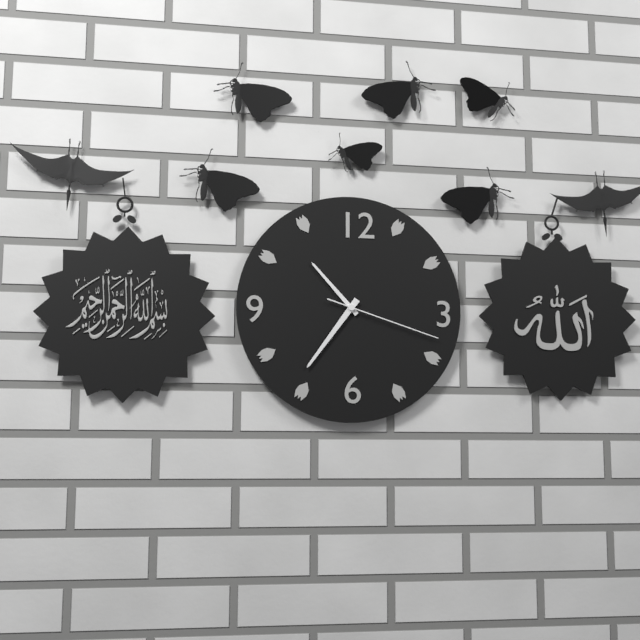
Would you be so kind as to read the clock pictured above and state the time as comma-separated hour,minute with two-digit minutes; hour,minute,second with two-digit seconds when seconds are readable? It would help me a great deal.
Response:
10,36,18
